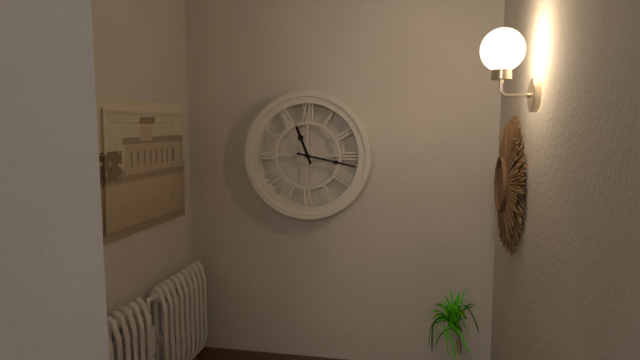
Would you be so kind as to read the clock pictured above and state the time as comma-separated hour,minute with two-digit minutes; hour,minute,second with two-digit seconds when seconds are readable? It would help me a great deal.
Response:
11,17
